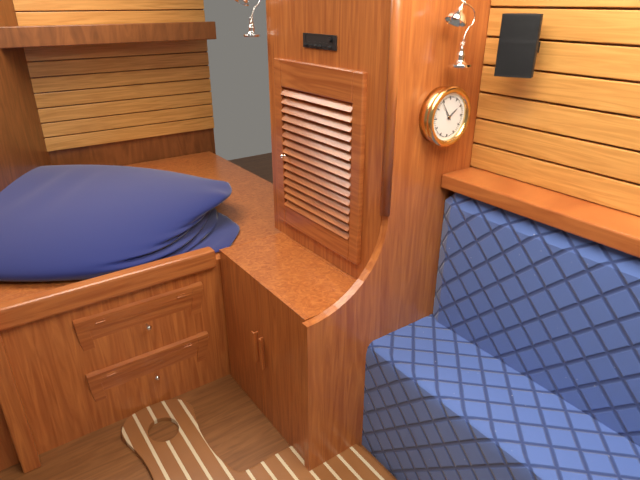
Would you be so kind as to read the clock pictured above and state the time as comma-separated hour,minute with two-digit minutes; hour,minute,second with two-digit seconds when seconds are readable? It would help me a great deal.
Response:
1,54
